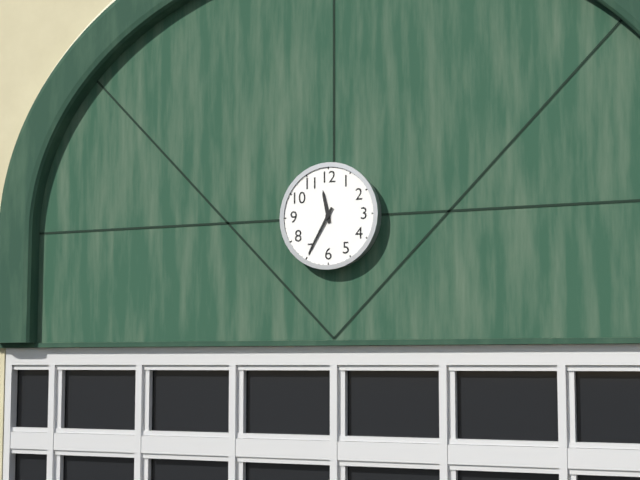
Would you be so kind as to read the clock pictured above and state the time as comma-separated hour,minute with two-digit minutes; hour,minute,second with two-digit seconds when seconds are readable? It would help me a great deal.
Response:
11,35
